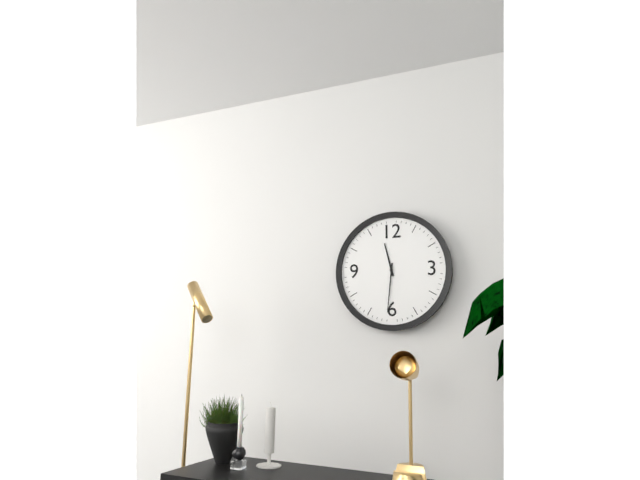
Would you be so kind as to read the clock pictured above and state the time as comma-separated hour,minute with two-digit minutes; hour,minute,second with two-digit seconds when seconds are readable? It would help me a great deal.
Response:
11,31
